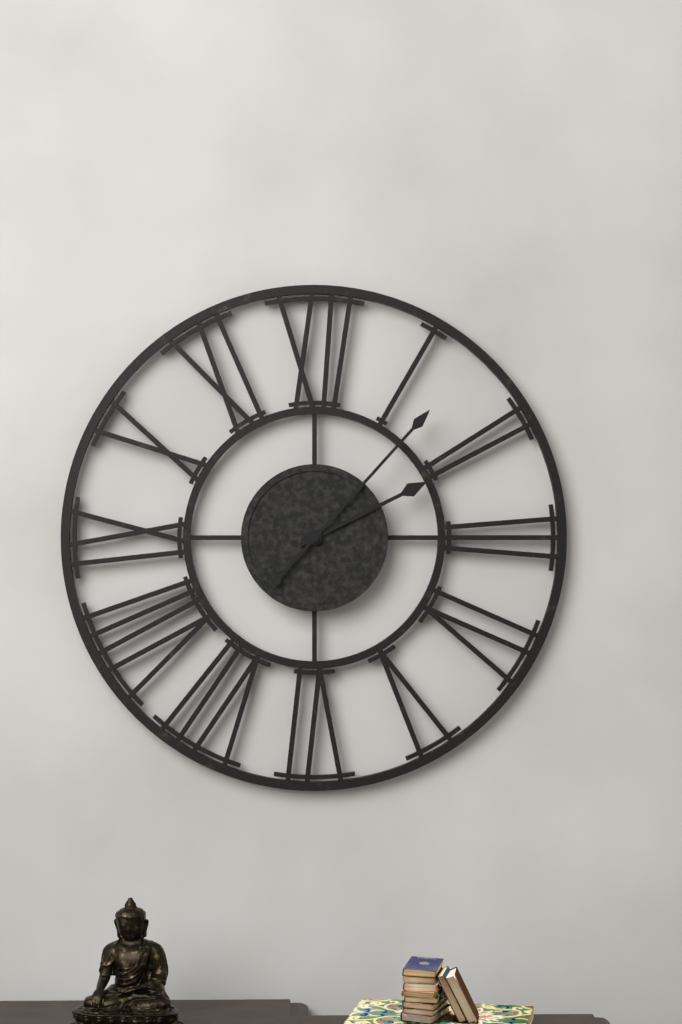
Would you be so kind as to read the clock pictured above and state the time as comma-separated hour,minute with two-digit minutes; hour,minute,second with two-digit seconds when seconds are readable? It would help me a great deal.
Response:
2,07
